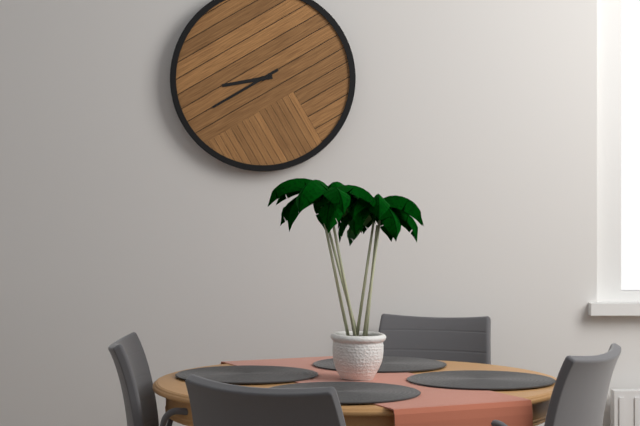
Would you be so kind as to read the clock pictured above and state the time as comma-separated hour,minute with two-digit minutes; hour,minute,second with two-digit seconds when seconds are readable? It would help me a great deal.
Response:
8,40
